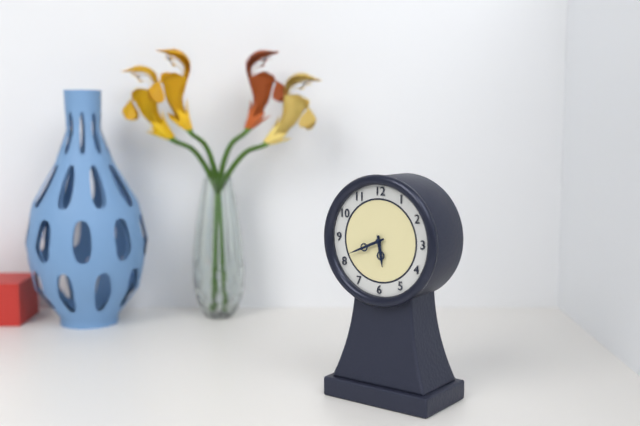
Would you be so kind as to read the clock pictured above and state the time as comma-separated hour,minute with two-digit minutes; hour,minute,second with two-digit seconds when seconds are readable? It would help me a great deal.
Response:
5,41
